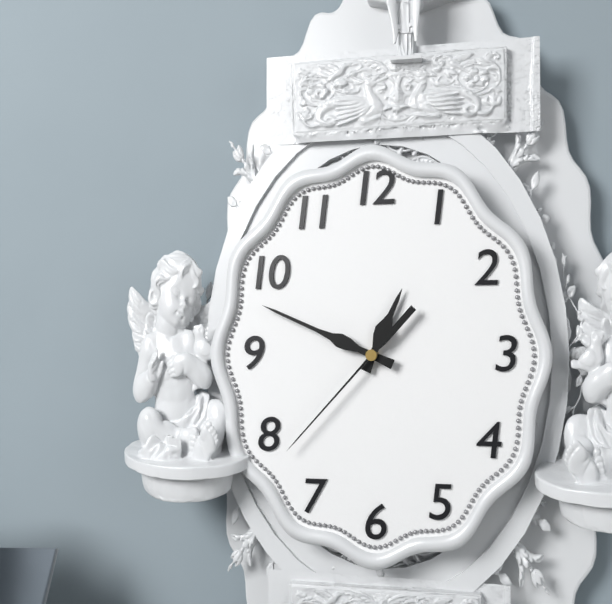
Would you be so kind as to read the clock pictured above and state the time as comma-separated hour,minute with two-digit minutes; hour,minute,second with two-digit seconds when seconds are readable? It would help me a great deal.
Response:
12,49,37
